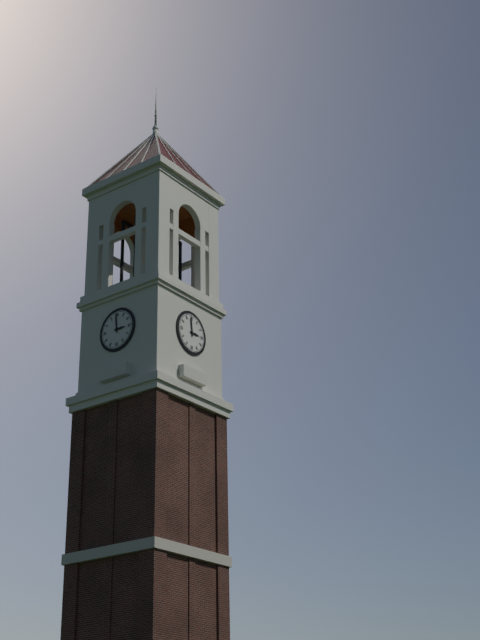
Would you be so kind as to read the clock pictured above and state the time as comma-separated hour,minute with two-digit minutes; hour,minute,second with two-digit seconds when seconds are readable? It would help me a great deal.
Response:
2,59
